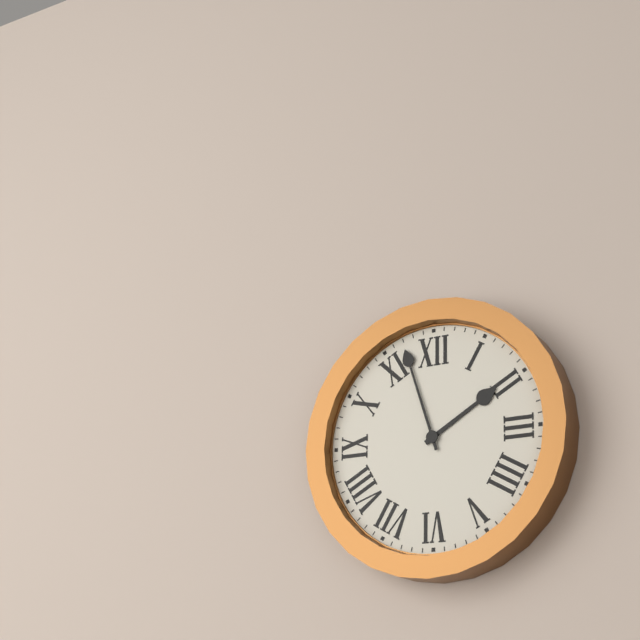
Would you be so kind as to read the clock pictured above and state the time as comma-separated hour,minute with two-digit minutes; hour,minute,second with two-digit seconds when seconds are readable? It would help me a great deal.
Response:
1,57
